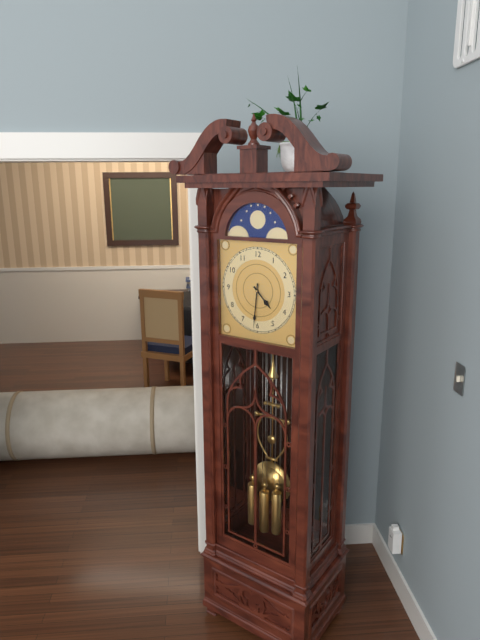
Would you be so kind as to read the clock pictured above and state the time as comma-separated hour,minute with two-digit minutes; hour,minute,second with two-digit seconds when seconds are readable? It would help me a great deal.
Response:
4,31
